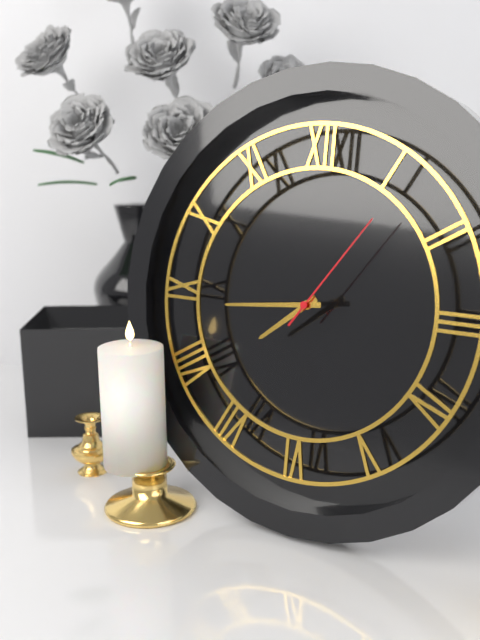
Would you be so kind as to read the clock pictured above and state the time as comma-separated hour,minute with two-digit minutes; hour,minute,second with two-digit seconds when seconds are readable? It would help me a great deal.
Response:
7,44,06
